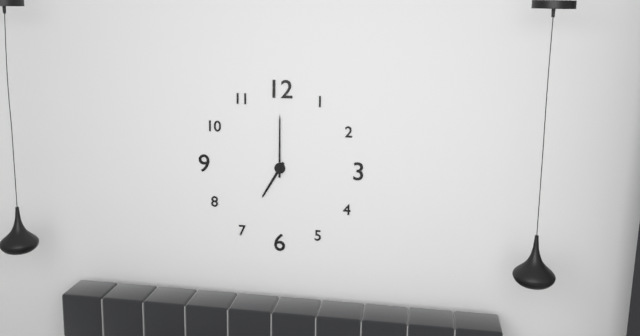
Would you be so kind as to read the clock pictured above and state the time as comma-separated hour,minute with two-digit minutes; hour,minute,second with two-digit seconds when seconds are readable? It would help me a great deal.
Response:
7,00
